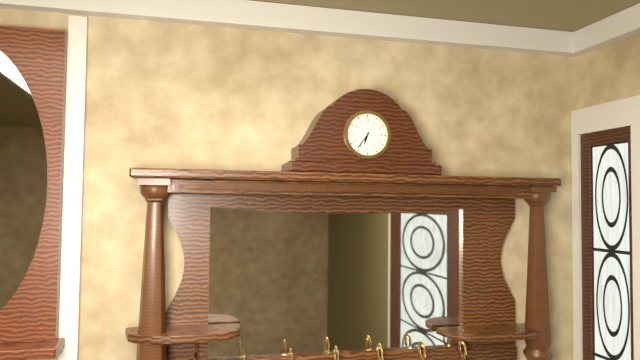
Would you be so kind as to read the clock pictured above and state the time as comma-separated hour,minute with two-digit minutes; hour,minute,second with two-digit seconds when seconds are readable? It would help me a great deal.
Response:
6,36
